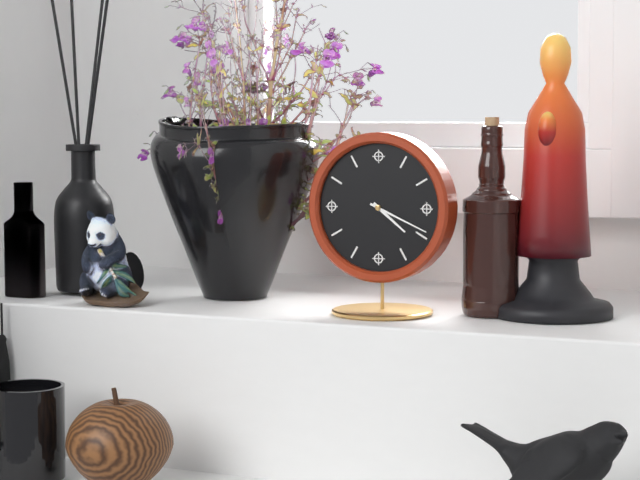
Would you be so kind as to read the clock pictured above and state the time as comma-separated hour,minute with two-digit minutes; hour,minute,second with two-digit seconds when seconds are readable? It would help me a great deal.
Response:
4,19
